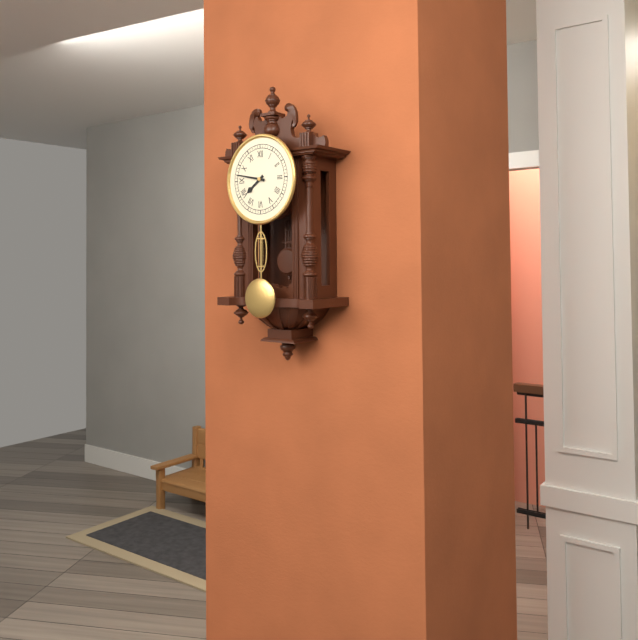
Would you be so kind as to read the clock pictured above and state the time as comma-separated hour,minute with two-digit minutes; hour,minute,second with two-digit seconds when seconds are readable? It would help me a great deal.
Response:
7,47
